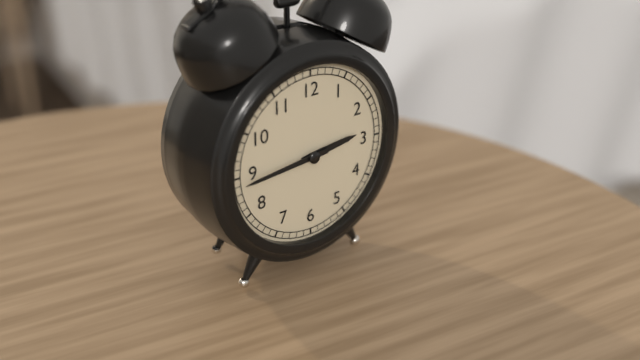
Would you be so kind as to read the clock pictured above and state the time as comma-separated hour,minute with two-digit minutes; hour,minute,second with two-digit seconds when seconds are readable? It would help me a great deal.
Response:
2,44
